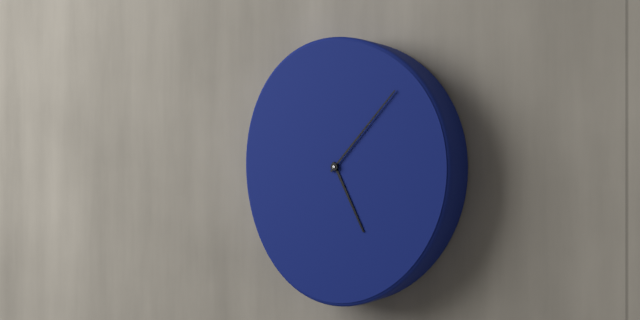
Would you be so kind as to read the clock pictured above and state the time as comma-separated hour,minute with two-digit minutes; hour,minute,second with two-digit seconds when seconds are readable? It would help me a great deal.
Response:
5,07
